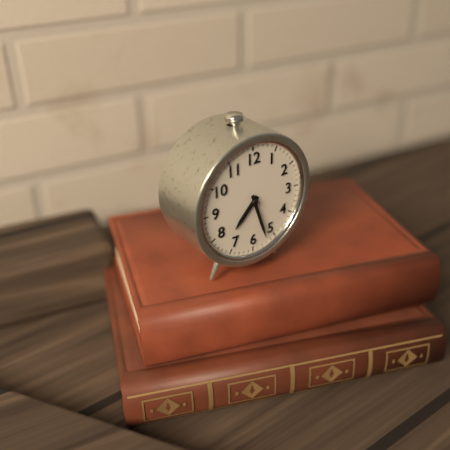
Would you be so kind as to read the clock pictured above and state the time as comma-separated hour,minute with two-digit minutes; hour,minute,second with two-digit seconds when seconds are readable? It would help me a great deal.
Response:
7,27
